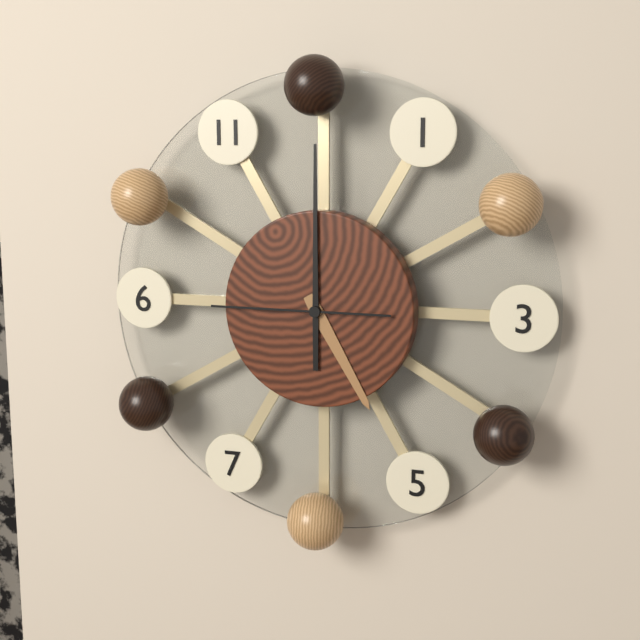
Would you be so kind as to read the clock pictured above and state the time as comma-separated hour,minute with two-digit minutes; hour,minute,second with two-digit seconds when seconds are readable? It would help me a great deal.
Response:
5,00,45
